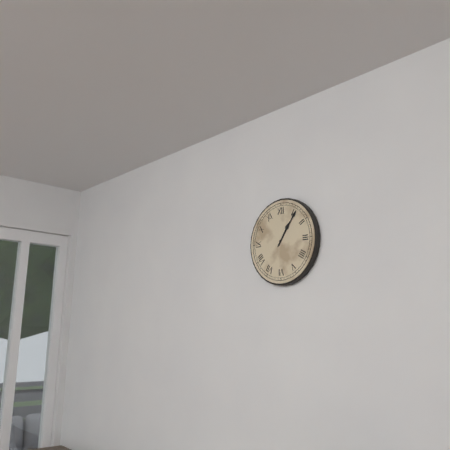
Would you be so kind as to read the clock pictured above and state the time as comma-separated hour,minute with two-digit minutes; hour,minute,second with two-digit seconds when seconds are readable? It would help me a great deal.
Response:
1,06
